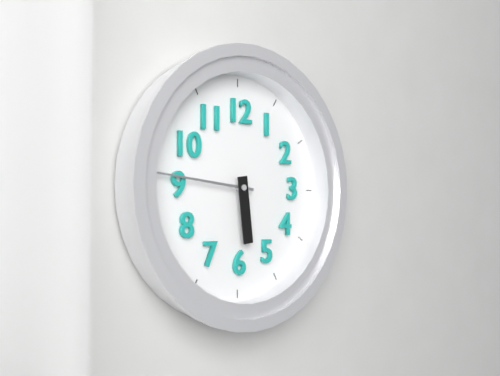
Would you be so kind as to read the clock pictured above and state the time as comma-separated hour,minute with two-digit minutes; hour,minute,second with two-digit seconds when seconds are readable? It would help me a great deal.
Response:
5,46
